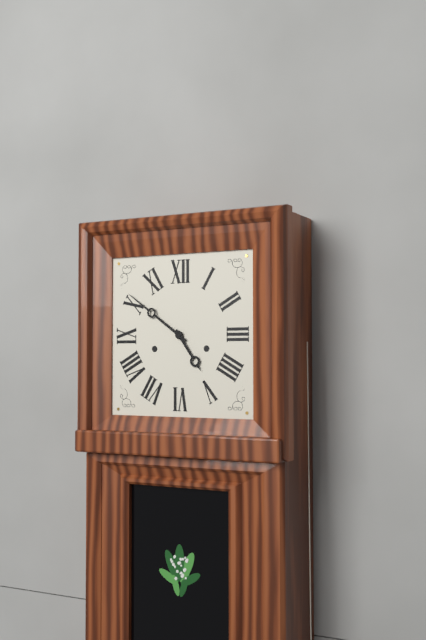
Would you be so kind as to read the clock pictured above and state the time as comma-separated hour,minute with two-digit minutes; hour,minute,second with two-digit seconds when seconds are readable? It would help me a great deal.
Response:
4,51
